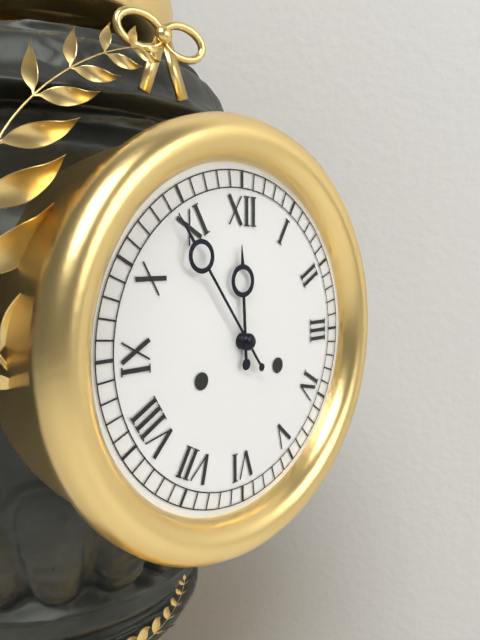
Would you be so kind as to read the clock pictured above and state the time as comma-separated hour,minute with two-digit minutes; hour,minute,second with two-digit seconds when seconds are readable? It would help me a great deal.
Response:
11,54
